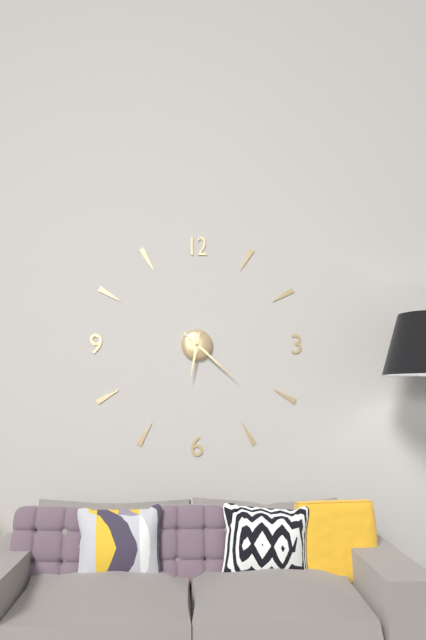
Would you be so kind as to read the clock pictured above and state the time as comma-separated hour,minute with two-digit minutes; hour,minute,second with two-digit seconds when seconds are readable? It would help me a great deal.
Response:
6,22
